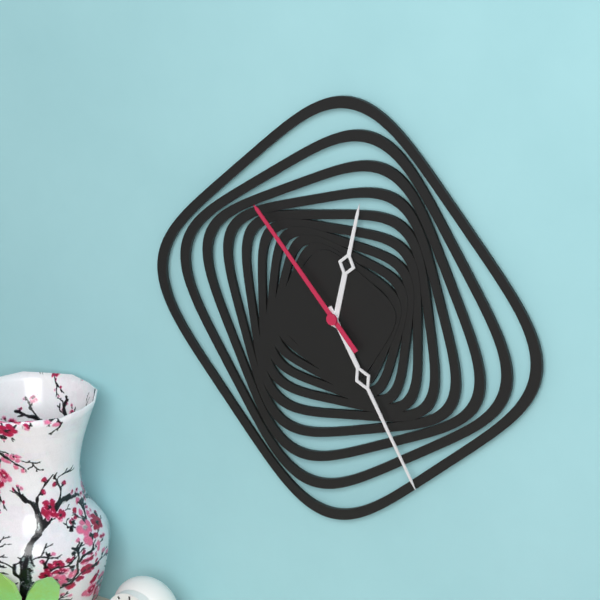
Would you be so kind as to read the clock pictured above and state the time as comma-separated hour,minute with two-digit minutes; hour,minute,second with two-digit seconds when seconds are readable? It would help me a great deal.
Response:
12,25,53
